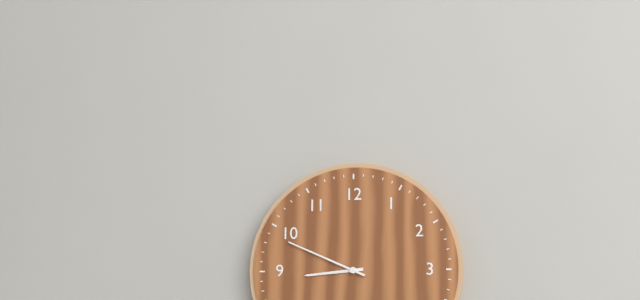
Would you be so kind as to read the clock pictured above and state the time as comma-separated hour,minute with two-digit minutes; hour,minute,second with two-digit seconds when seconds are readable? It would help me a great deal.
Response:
8,49
